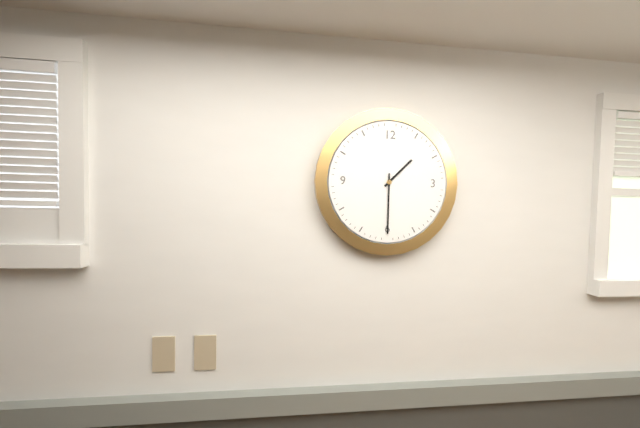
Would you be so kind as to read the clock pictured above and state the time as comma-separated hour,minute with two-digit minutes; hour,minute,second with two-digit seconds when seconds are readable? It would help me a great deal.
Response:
1,30
